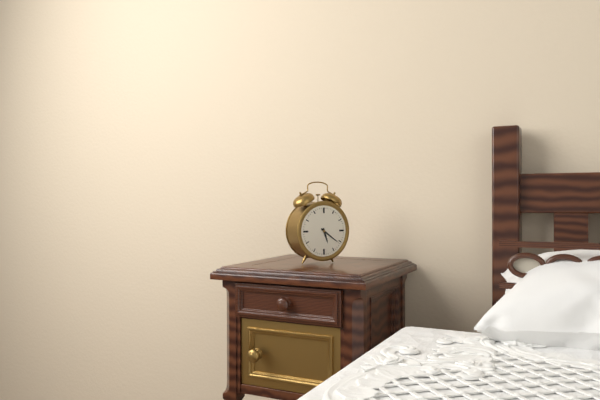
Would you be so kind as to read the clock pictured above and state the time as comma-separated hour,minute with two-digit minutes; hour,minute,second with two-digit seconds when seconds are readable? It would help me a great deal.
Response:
5,21
